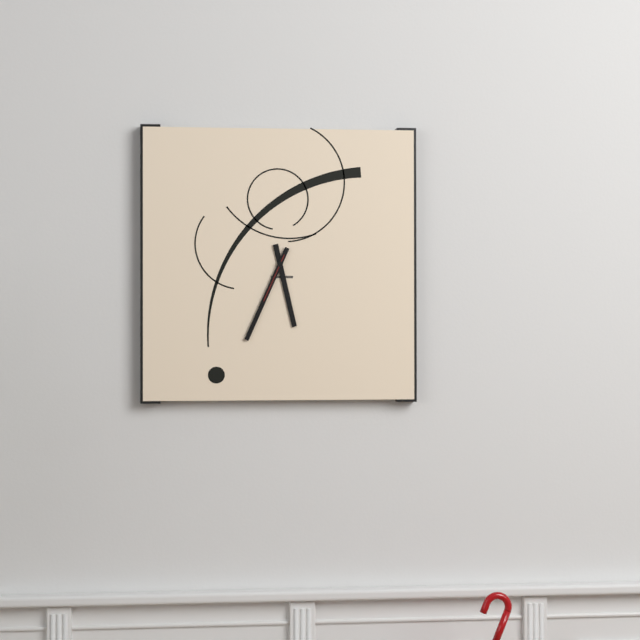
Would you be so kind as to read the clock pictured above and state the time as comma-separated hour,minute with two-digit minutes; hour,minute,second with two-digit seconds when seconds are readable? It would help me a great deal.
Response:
5,34,34
